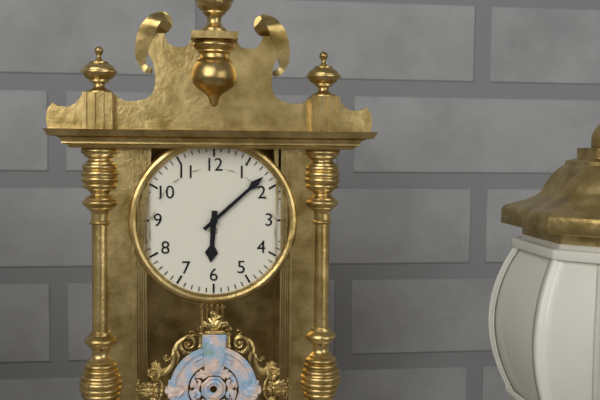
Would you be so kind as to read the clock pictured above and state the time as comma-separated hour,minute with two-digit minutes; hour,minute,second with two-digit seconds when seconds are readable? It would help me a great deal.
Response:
6,08
